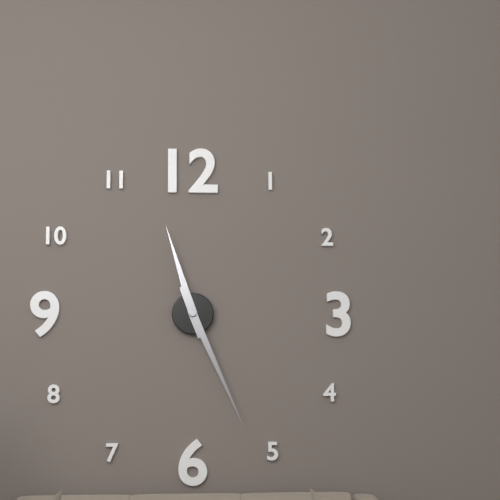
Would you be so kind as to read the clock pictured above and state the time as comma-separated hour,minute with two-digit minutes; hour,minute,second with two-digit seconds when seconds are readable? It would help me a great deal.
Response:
11,26
